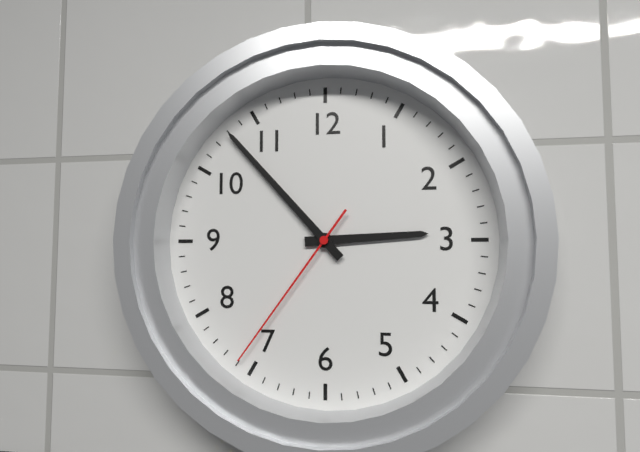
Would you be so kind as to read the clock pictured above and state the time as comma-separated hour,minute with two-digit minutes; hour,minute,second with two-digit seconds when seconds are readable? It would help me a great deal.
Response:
2,53,36
